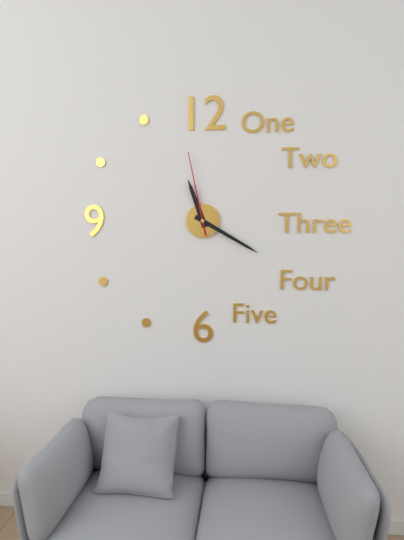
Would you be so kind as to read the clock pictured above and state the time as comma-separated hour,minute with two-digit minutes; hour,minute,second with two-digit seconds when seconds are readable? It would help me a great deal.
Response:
11,20,58
